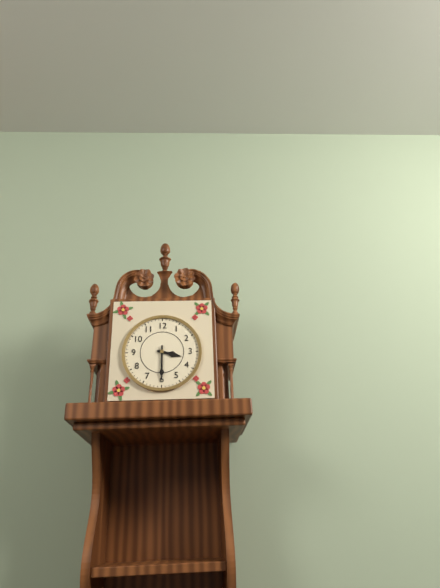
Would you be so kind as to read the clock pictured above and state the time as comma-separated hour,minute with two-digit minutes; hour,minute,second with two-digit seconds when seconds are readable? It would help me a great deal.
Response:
3,30
